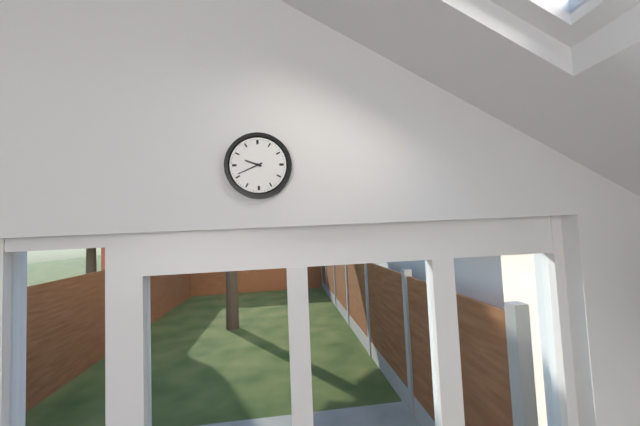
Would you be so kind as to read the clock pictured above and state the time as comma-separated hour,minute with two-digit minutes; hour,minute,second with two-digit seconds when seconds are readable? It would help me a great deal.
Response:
9,41
